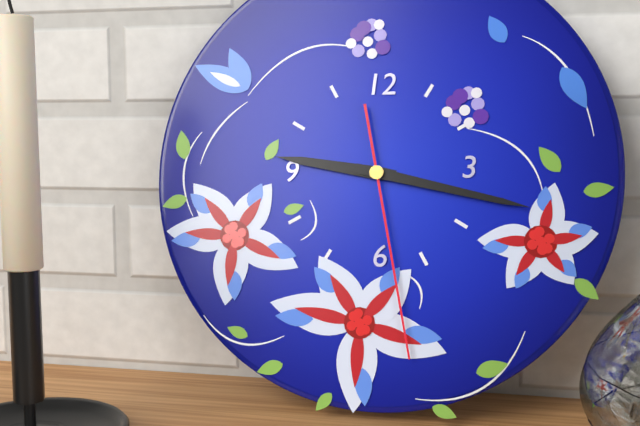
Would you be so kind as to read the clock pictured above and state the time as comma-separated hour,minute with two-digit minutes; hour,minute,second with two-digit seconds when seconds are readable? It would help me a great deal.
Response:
9,17,28
